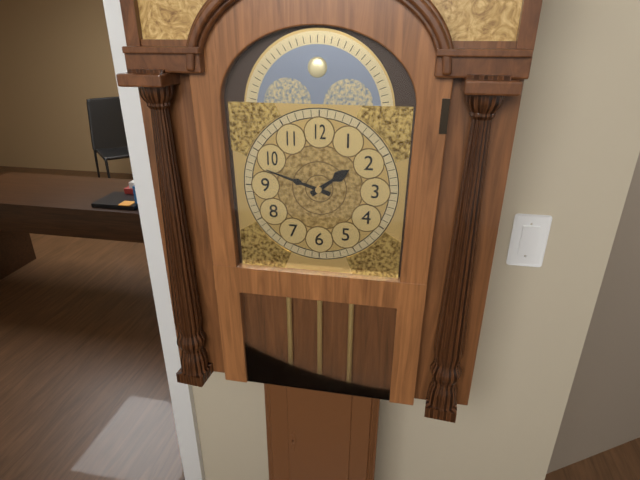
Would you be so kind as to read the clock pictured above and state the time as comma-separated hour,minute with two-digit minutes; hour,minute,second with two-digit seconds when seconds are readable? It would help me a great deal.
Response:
1,48
